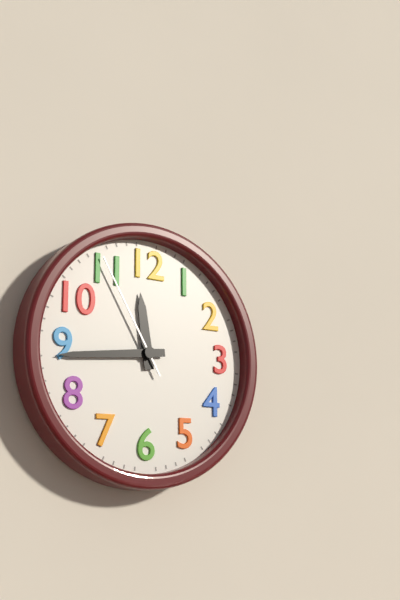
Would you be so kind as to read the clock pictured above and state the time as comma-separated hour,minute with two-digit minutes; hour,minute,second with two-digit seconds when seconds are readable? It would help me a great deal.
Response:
11,44,55
